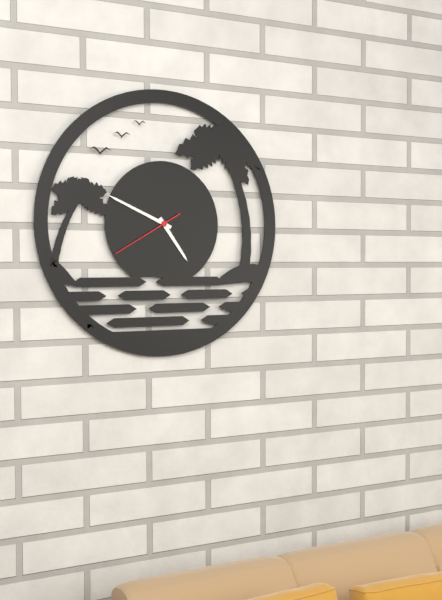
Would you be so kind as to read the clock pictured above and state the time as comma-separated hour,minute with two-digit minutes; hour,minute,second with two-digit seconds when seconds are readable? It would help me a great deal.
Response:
4,49,40
